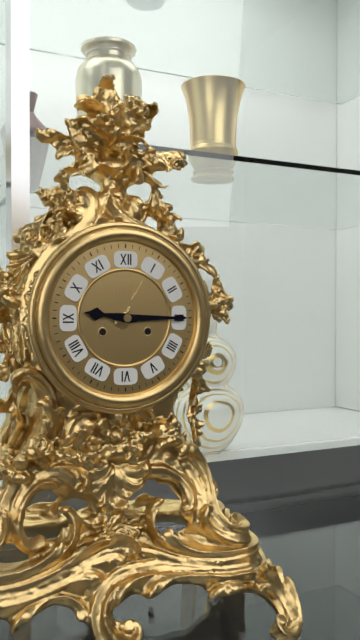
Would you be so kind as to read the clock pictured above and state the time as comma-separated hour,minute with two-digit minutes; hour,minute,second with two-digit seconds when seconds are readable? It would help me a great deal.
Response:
9,15
